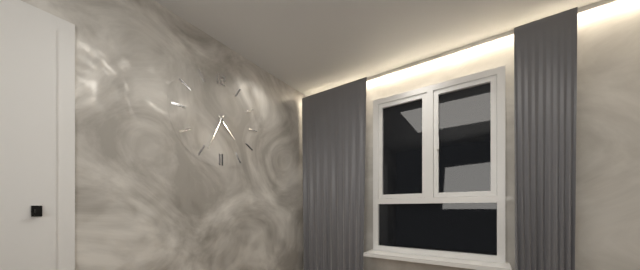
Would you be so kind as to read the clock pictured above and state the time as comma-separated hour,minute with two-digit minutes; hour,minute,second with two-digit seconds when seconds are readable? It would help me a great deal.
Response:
4,34
